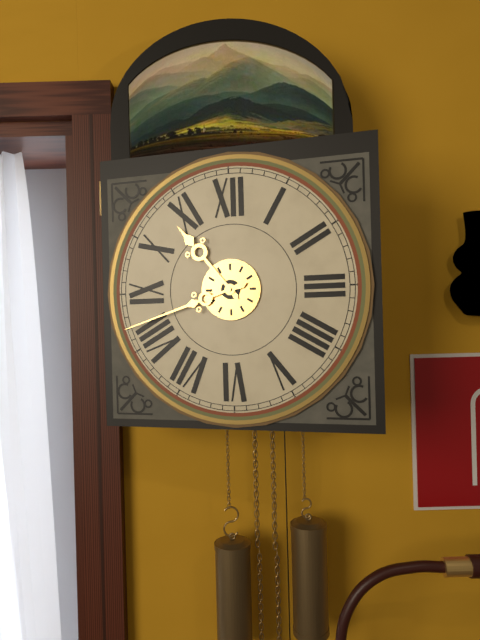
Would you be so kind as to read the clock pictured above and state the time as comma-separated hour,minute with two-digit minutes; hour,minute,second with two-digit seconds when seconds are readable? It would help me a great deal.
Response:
10,42
